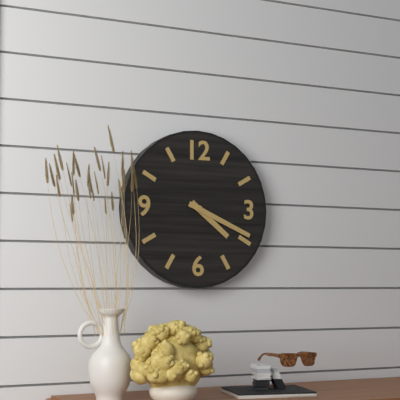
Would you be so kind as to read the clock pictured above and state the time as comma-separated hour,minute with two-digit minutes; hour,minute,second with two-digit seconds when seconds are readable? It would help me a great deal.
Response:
4,19
